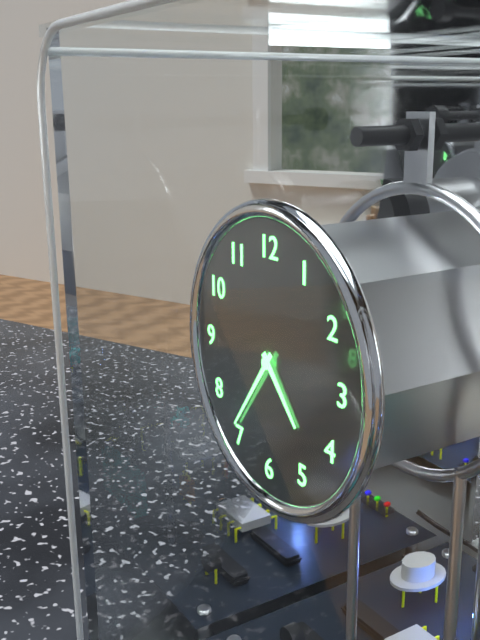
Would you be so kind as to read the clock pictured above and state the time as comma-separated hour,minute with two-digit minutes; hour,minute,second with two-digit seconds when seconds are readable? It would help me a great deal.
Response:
4,36
